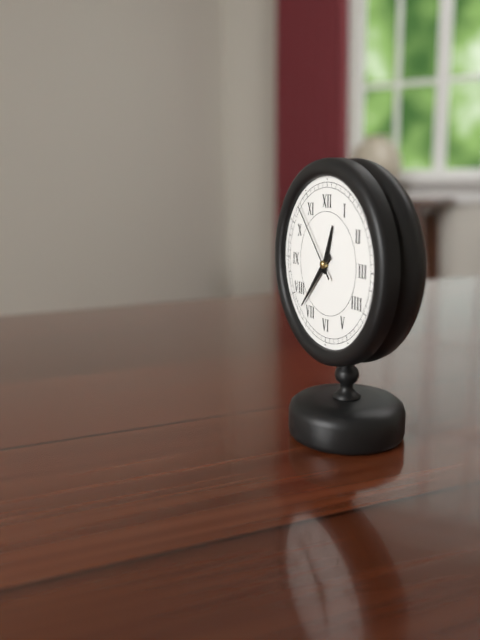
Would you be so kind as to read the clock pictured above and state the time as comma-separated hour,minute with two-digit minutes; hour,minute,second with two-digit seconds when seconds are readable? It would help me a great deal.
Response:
12,37,53
